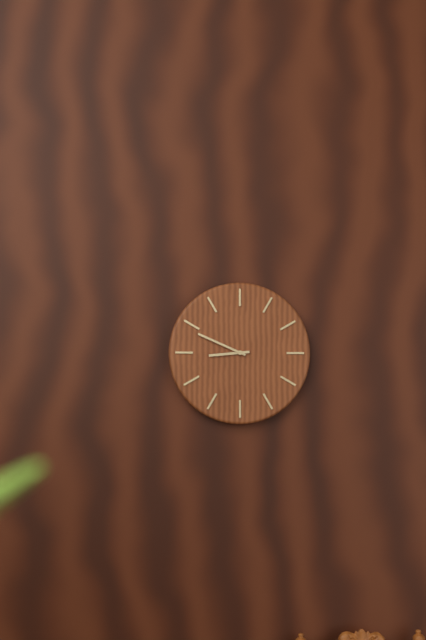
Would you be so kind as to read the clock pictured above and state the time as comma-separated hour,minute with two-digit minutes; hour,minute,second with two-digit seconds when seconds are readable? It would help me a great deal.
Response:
8,49
